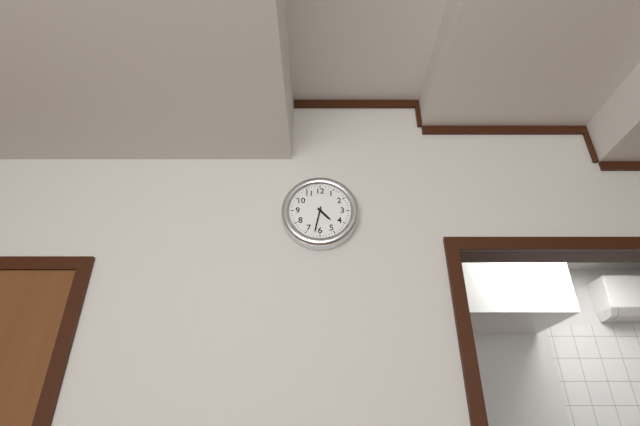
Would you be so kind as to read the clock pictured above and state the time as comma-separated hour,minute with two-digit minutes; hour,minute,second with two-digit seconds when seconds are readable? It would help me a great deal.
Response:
4,32
